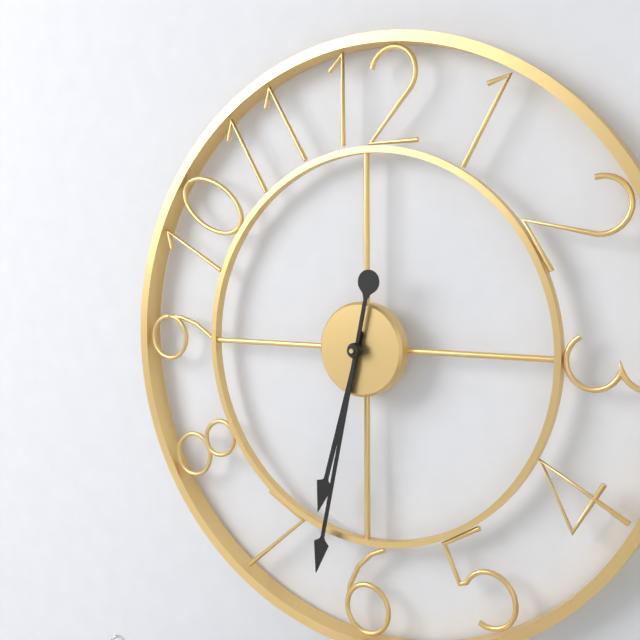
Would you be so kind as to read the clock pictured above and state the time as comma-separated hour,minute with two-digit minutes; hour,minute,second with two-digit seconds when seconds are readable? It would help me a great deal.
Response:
6,32
